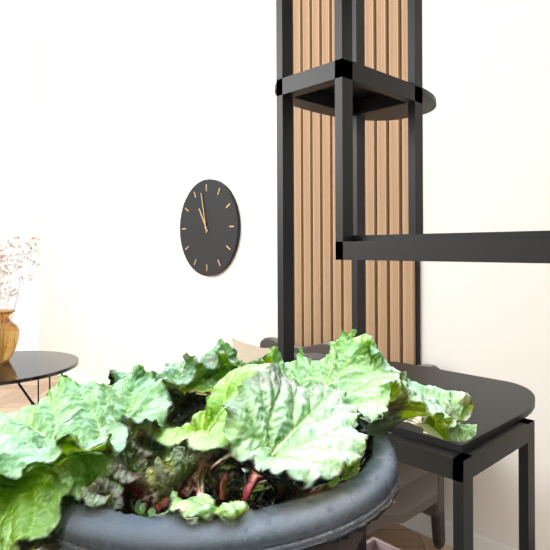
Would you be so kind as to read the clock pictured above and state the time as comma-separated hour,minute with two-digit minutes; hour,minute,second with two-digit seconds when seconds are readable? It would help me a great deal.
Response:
10,58
